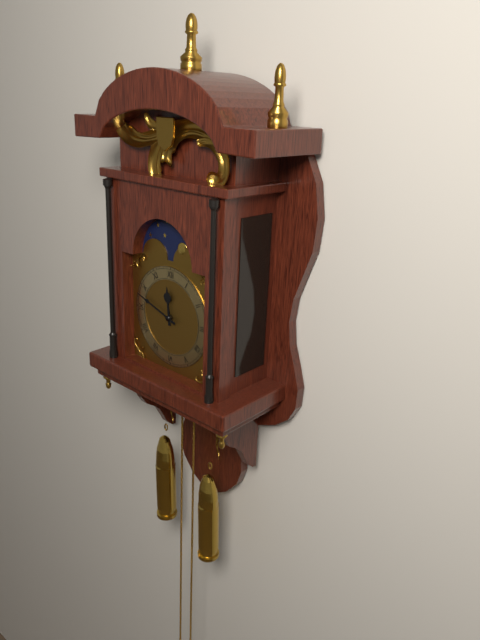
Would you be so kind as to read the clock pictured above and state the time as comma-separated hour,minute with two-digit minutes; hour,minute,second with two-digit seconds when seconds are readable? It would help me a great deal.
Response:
11,48
